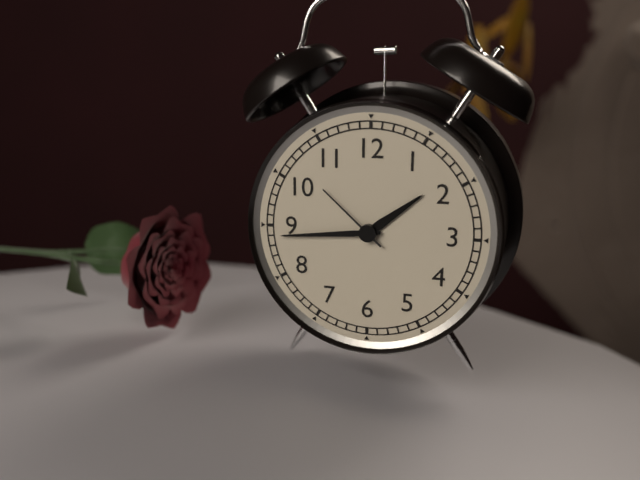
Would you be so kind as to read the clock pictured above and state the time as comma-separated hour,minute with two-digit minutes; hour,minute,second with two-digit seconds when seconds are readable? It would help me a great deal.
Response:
1,44,52
